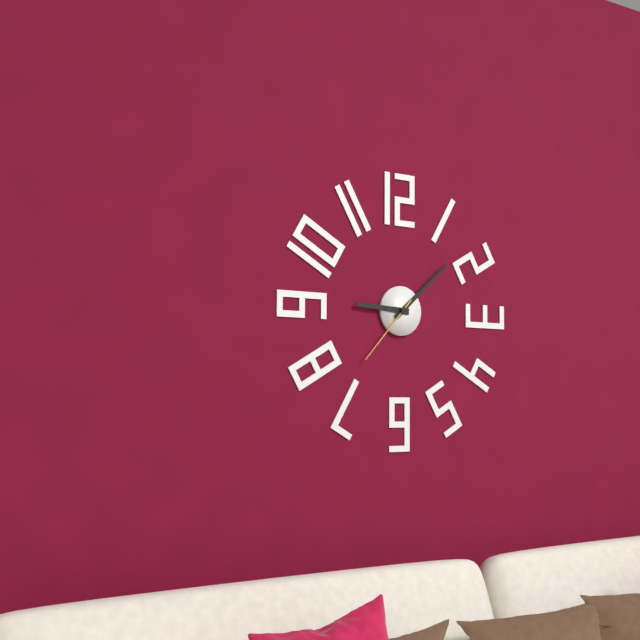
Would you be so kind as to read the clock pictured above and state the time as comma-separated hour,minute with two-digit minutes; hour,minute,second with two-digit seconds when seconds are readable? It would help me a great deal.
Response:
9,08,37
